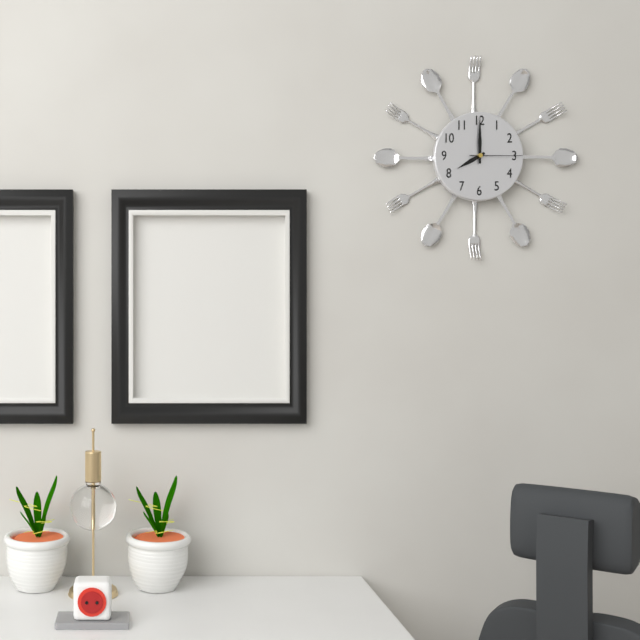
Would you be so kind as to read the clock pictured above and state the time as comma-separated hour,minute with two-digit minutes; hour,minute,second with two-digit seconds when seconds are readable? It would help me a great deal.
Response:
8,00,15
